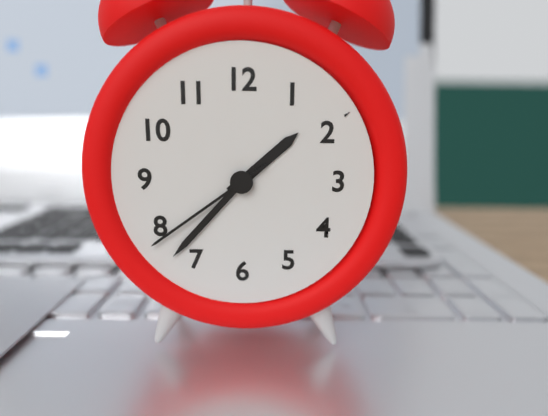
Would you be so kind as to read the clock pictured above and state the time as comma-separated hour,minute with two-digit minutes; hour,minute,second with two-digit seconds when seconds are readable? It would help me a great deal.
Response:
1,37,39
